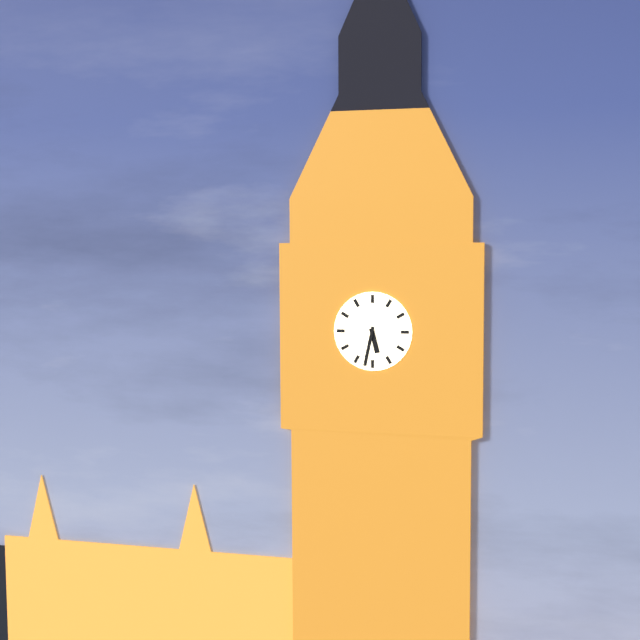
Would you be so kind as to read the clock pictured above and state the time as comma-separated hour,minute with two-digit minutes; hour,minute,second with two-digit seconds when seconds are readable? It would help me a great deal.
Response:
5,32
